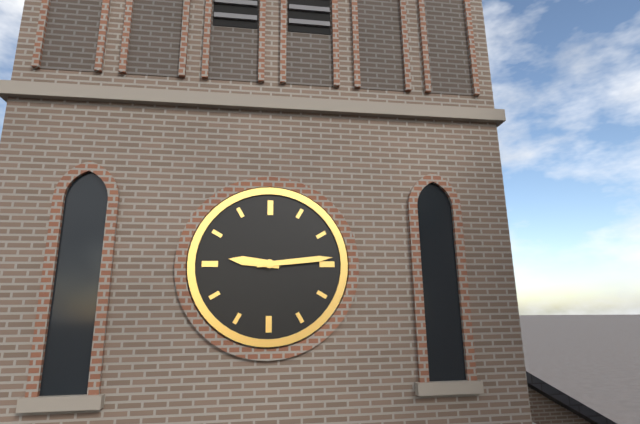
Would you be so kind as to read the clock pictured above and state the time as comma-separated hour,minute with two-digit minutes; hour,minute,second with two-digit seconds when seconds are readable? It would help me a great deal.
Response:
9,14
